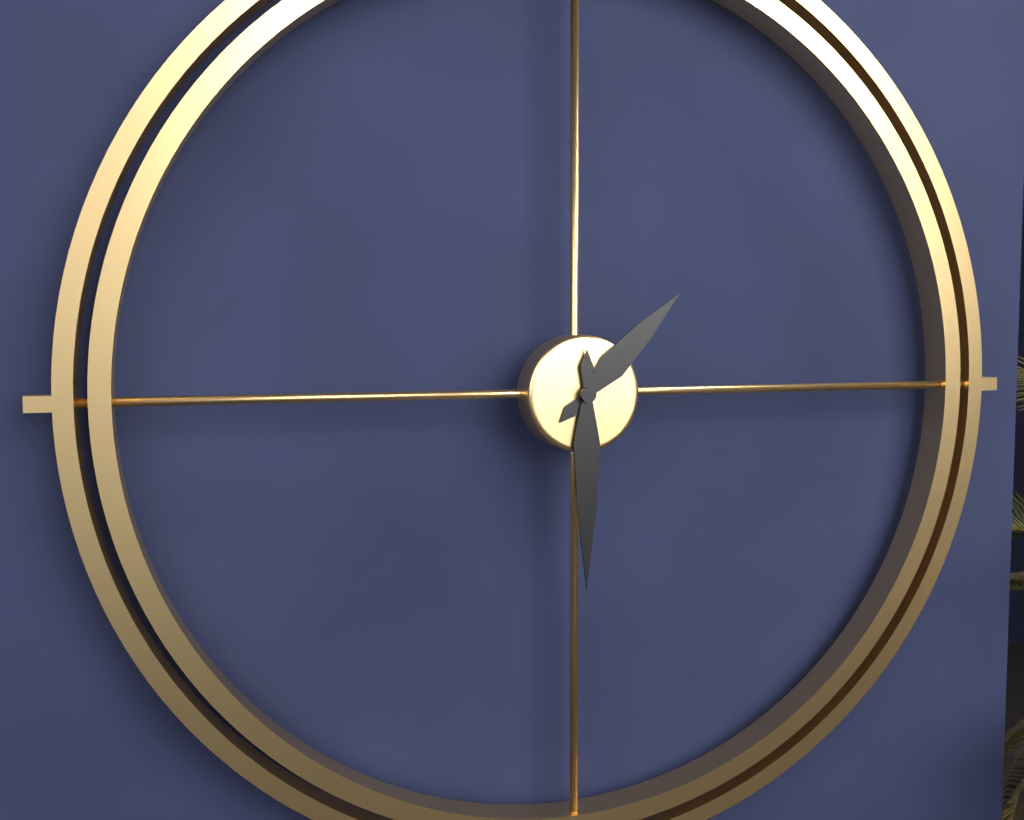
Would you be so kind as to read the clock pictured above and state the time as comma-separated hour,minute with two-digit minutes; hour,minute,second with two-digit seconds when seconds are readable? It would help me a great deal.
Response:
1,30
